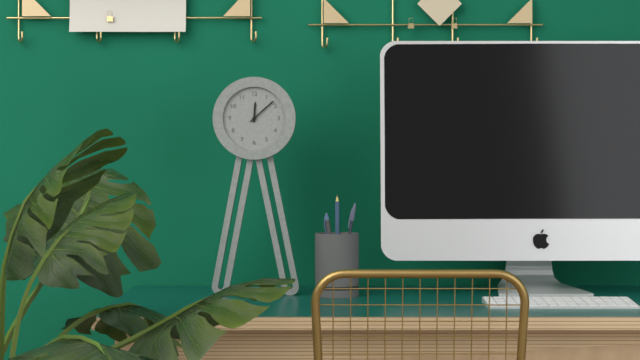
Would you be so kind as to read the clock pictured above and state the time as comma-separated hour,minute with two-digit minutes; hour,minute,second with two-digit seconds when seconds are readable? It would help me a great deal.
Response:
12,08
